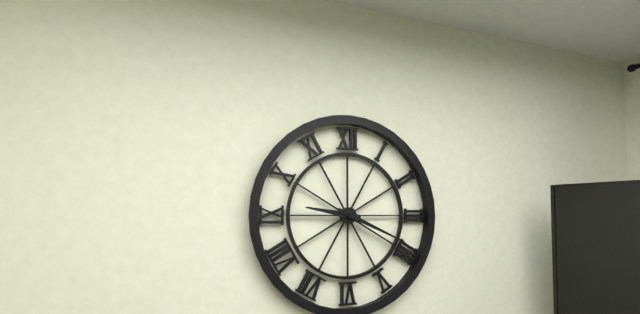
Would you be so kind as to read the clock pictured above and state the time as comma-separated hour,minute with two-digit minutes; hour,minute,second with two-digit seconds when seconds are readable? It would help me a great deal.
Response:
9,19
